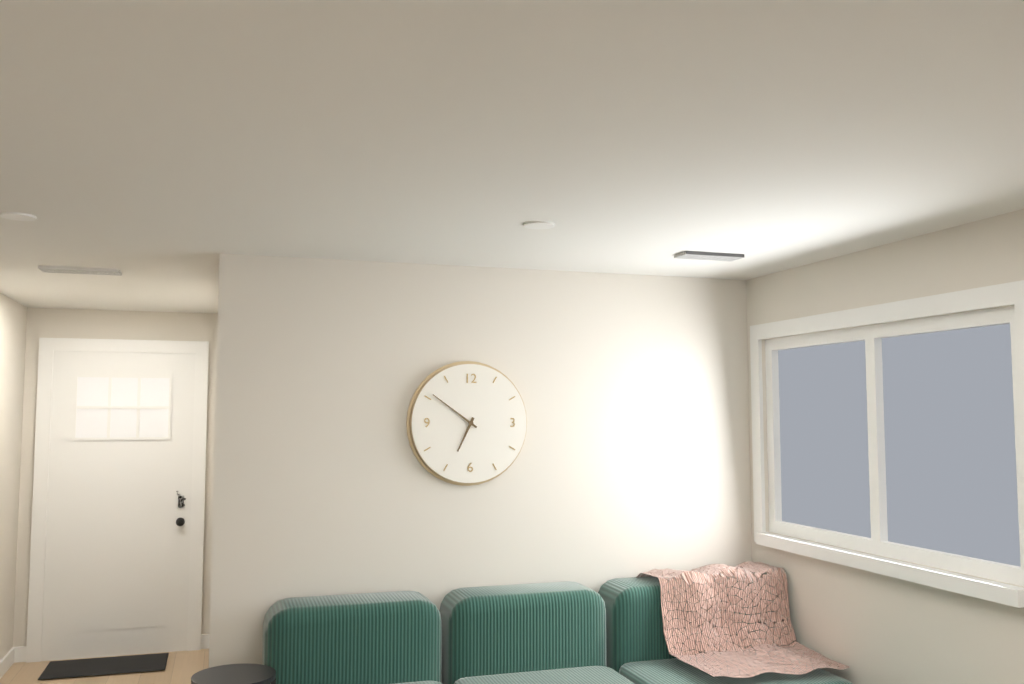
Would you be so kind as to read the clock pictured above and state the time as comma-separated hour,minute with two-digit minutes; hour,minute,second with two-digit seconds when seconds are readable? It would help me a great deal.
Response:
6,51
